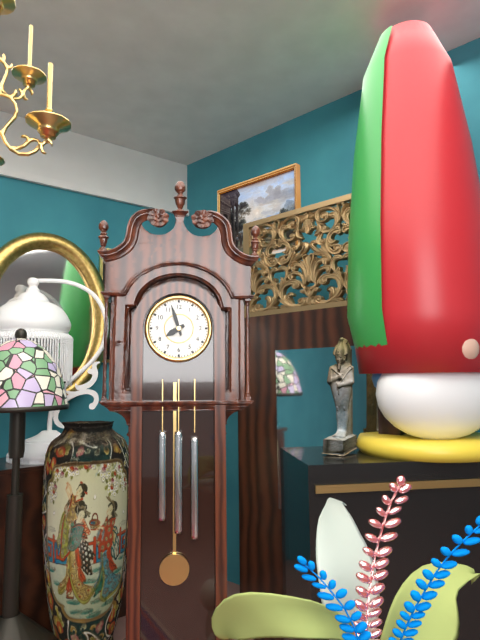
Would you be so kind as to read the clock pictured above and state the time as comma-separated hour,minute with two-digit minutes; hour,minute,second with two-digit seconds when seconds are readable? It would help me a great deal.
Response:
7,57
